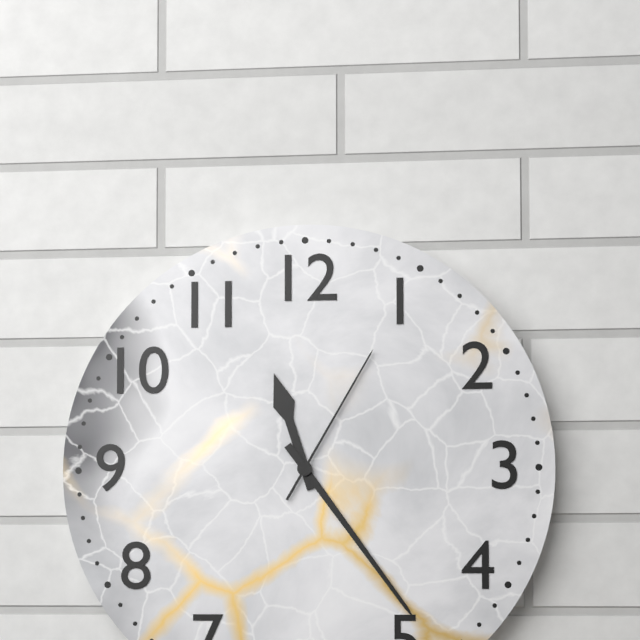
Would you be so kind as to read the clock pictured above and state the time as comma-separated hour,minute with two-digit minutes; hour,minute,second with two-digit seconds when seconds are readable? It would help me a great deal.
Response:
11,24,05
